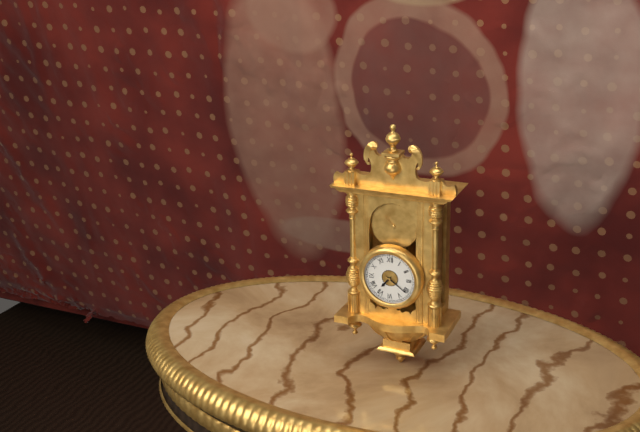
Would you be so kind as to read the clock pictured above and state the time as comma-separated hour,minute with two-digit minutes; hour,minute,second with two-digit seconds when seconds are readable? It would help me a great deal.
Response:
7,21
